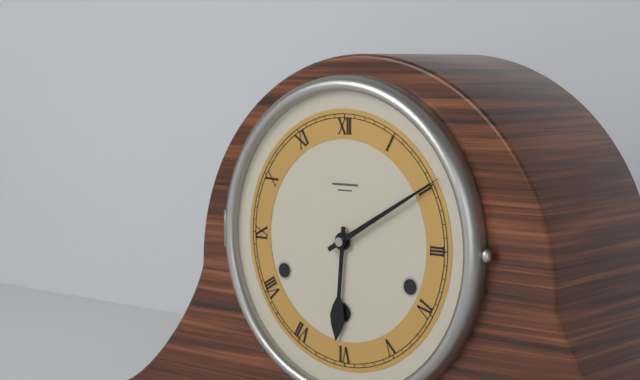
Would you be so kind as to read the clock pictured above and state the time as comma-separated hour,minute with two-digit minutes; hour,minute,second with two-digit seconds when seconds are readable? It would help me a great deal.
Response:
6,10
